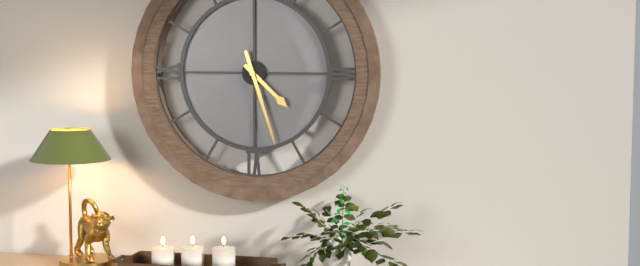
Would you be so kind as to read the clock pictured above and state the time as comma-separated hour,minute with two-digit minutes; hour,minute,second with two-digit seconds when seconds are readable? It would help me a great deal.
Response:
4,27
